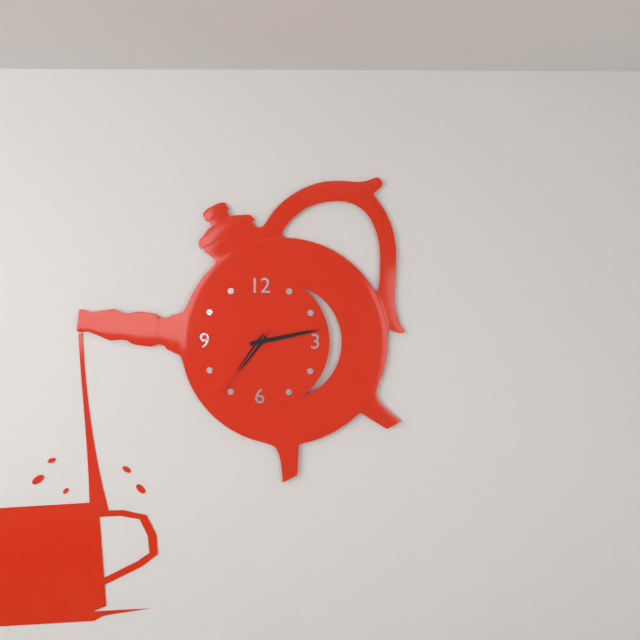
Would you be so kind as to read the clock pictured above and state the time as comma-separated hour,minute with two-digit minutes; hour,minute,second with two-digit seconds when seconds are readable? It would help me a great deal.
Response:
7,13,36
